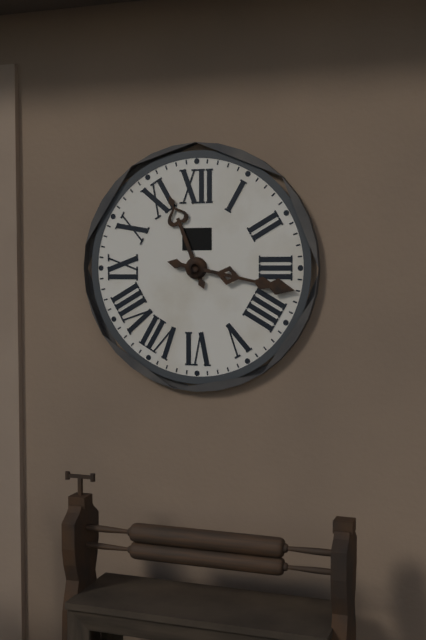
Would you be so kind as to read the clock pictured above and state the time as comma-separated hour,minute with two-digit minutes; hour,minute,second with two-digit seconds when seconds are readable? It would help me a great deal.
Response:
11,17
